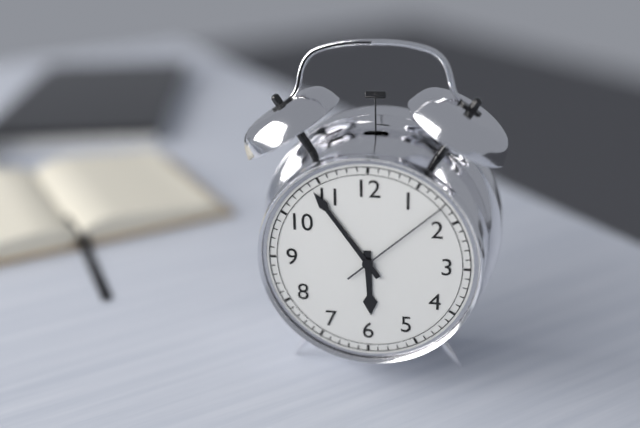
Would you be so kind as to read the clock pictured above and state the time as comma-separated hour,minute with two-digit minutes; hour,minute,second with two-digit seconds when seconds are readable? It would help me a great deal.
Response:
5,54,08
